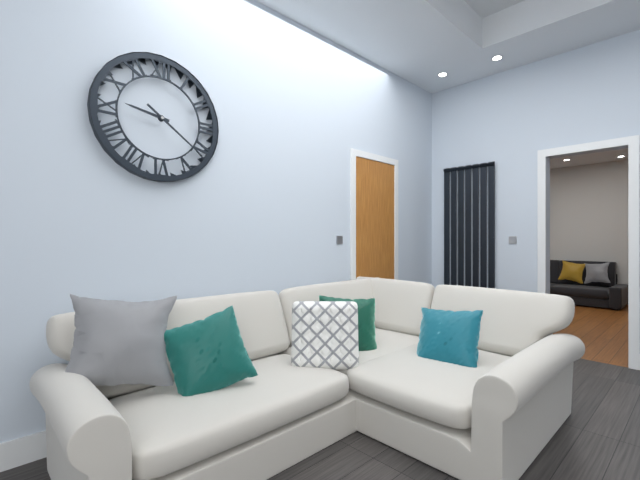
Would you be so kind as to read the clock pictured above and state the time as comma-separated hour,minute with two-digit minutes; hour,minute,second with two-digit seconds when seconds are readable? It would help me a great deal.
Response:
9,21
